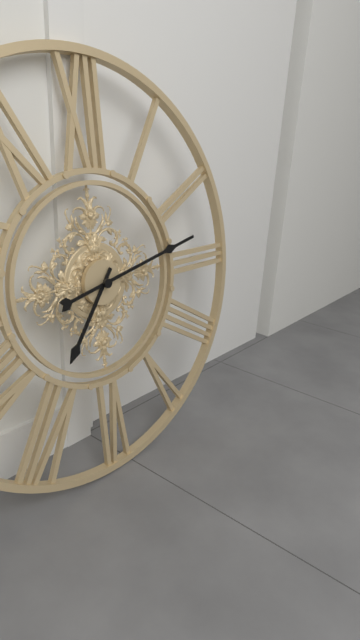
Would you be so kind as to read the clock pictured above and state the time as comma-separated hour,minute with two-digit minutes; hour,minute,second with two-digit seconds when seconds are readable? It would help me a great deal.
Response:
7,13
